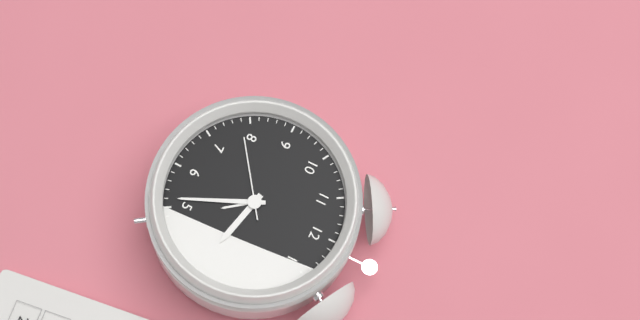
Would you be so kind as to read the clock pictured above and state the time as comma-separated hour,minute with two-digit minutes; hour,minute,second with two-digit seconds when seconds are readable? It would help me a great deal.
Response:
3,26,39
